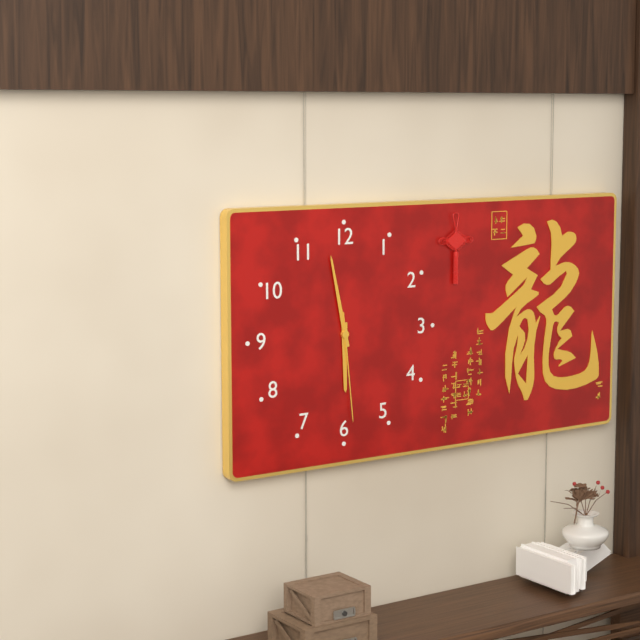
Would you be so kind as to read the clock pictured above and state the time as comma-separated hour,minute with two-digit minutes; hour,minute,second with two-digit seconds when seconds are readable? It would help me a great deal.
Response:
5,58,29
